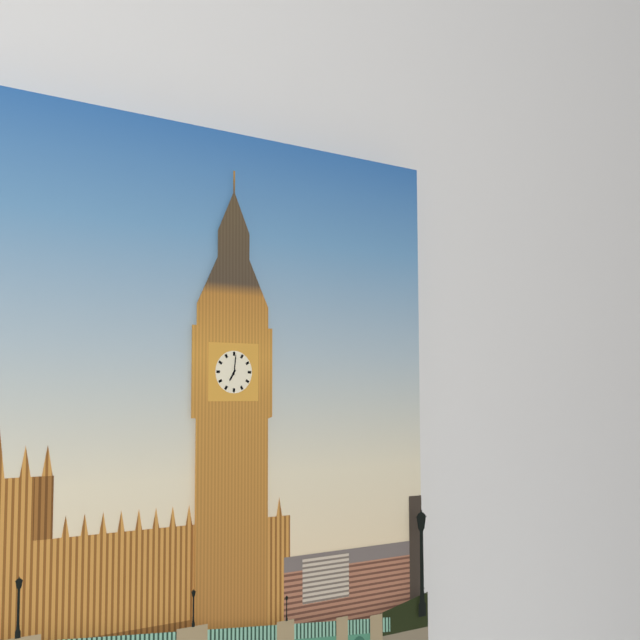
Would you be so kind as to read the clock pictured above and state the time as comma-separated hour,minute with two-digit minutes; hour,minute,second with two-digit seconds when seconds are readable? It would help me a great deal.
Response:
7,01
